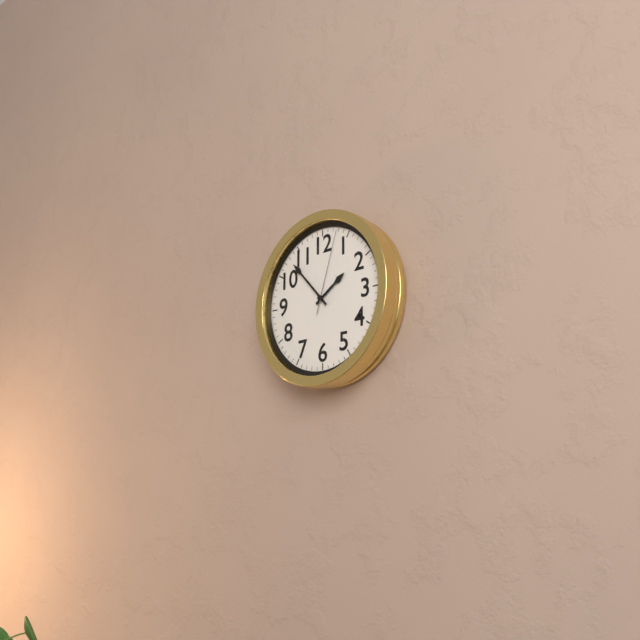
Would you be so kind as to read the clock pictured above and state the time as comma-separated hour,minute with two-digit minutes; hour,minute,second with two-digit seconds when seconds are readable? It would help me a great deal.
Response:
1,53,03
